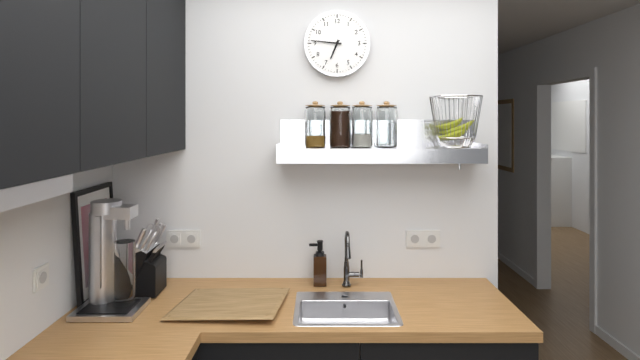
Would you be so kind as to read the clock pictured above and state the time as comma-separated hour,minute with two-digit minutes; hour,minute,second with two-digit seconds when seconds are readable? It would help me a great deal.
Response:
6,46
